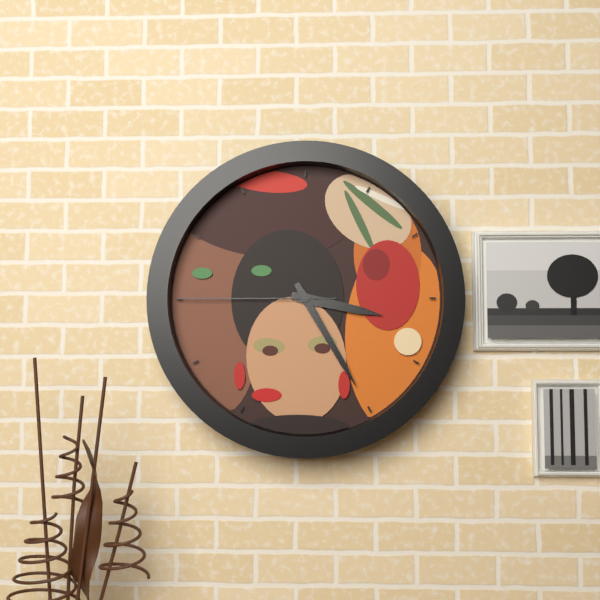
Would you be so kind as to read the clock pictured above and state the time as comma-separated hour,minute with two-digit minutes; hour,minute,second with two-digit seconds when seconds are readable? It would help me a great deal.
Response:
3,25,45
